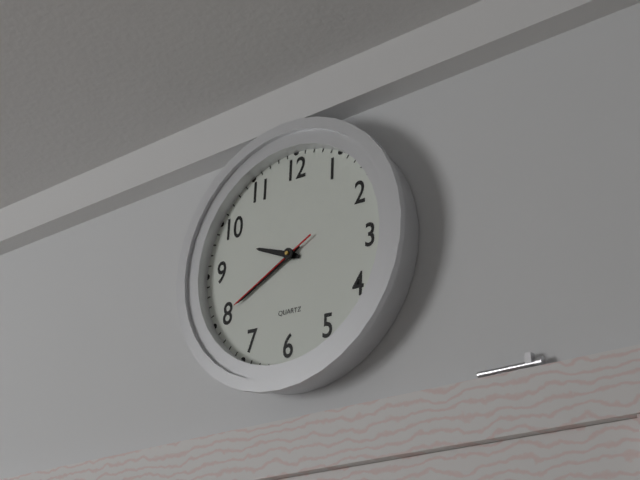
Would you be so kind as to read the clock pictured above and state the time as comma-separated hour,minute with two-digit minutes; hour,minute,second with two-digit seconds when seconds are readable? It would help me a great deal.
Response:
9,40,40
